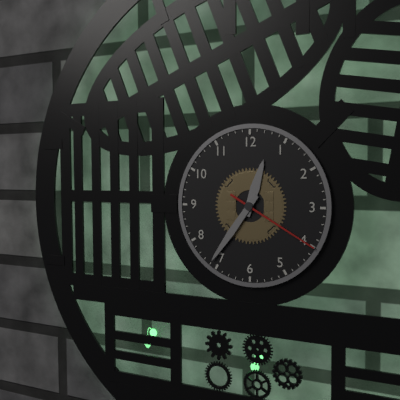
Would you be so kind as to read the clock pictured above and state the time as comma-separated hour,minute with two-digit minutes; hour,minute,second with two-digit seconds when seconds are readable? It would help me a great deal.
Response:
12,36,20
